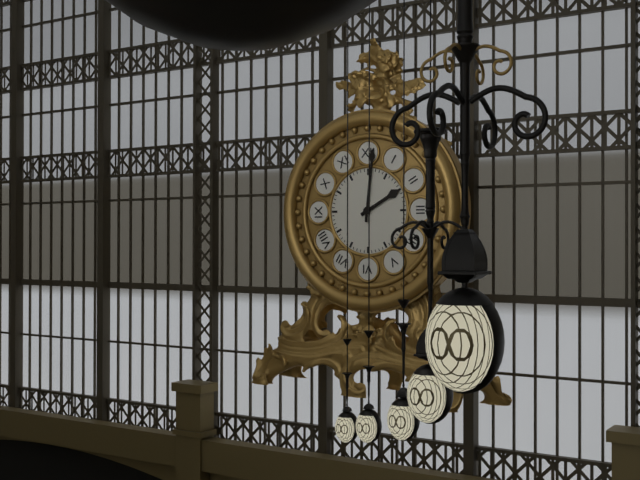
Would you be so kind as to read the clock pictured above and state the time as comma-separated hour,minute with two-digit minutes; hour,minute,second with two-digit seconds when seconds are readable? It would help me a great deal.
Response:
2,01
